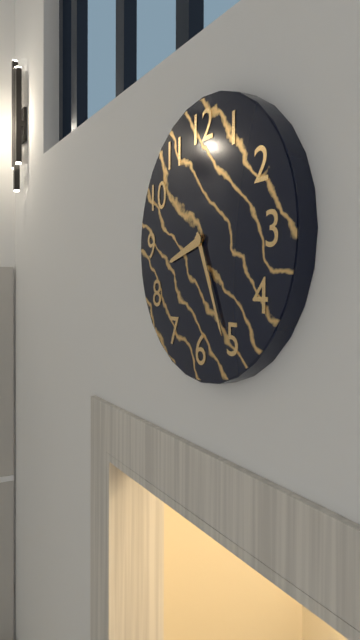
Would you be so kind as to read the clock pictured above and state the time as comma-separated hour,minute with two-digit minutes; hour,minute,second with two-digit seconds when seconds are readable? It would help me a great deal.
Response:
8,26
